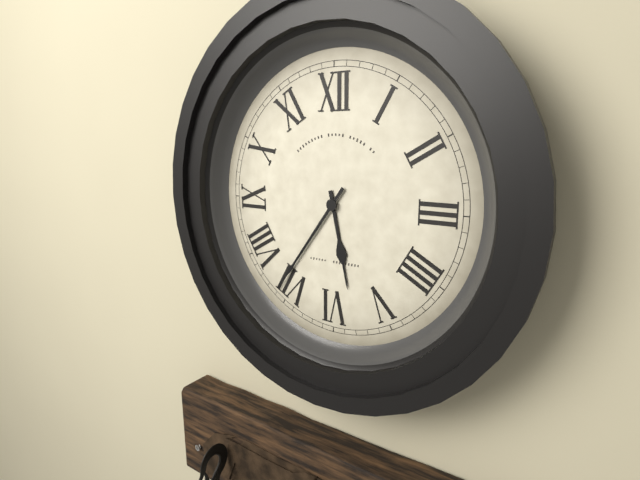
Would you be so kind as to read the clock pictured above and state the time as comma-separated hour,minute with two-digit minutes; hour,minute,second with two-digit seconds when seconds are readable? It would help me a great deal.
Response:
5,36
